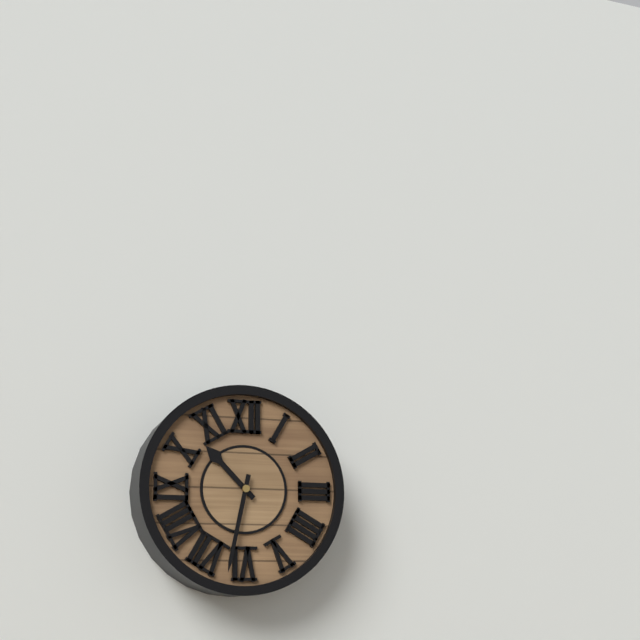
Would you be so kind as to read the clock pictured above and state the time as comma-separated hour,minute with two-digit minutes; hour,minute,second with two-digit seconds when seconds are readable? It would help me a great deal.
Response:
10,32
